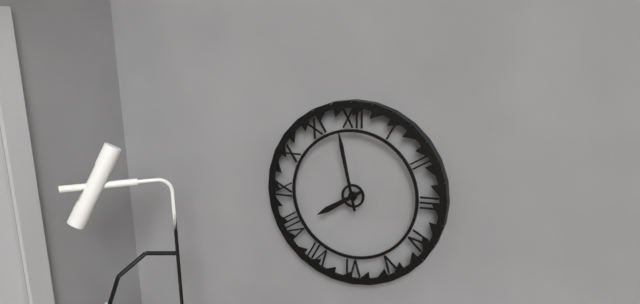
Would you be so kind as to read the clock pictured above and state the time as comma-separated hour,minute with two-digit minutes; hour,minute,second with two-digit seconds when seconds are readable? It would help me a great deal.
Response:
7,58
